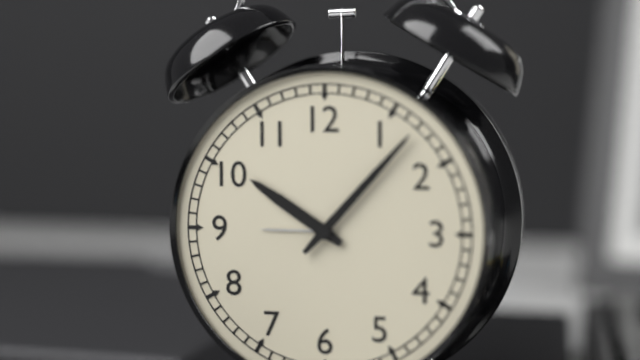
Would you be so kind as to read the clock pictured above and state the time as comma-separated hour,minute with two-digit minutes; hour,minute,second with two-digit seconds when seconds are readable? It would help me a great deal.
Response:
10,07
